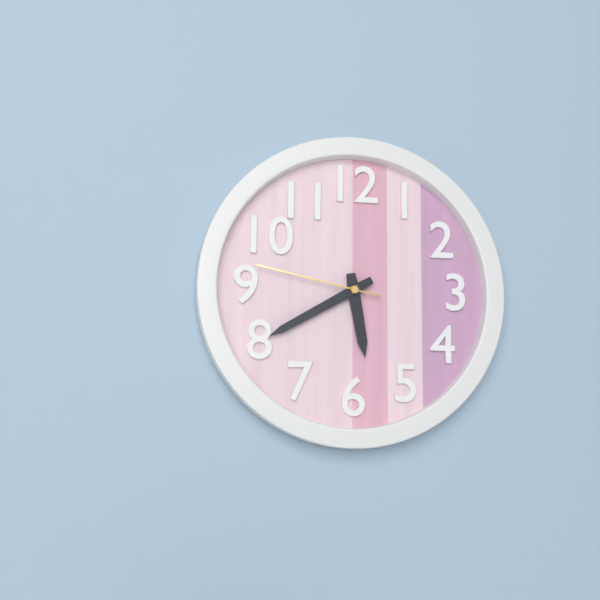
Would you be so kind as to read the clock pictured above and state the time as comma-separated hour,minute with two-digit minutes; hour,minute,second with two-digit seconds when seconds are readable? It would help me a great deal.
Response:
5,40,47
